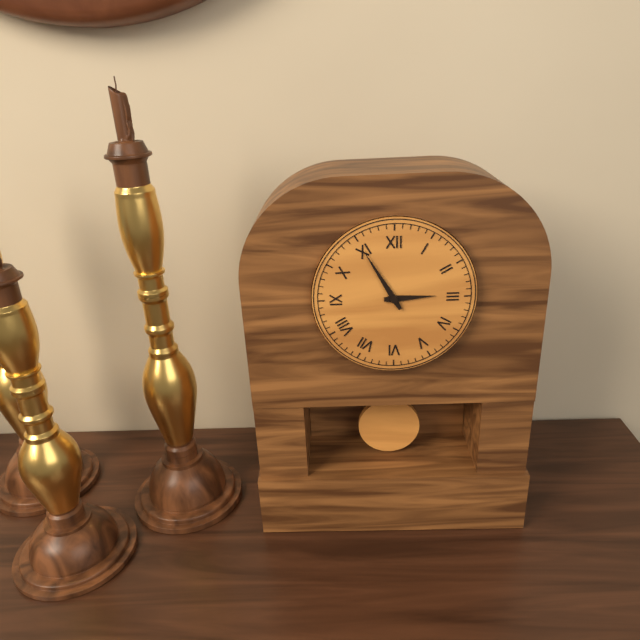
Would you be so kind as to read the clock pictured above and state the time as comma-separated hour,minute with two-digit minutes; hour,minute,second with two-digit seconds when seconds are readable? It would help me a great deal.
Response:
2,55
